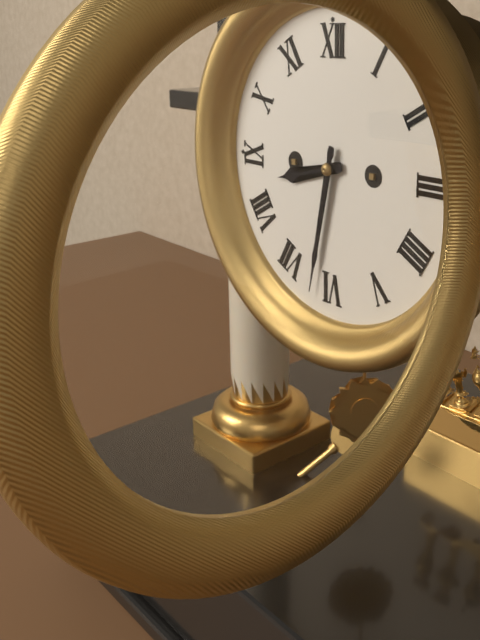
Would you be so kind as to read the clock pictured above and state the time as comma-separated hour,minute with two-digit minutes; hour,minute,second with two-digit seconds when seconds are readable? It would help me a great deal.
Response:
8,32
